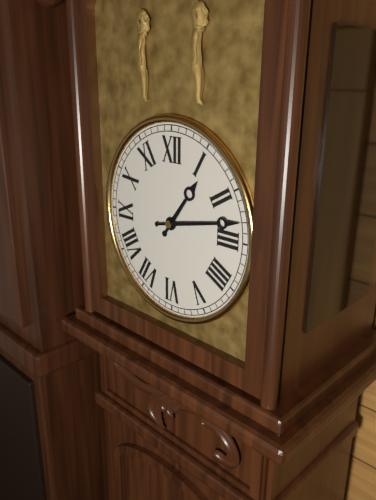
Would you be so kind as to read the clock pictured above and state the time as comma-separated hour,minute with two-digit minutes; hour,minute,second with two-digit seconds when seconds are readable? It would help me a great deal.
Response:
1,13
